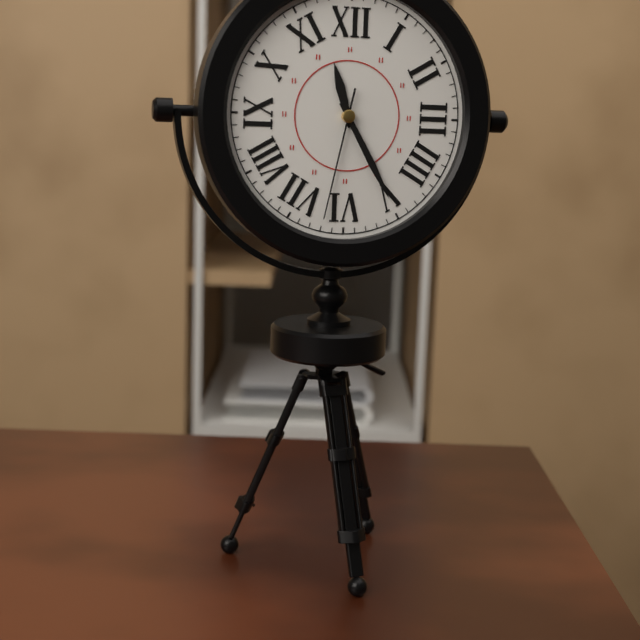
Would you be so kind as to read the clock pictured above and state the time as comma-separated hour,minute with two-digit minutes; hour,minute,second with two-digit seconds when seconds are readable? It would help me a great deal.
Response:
11,25,32
